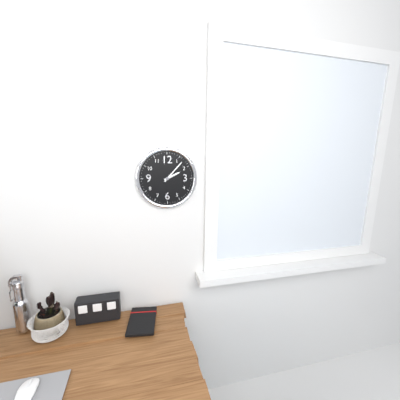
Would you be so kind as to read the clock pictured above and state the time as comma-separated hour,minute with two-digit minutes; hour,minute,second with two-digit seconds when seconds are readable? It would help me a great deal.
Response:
2,07
